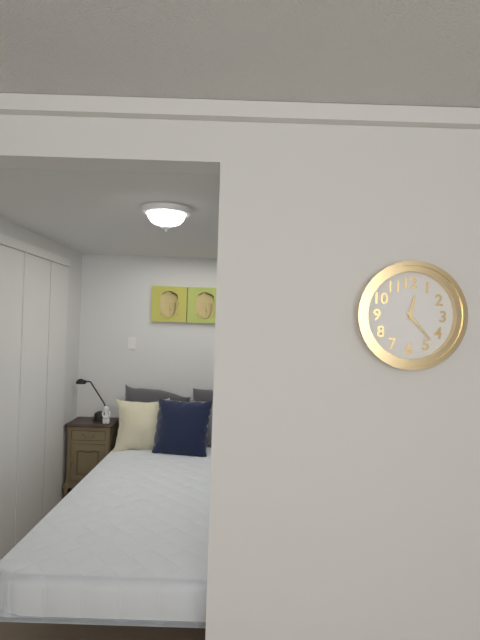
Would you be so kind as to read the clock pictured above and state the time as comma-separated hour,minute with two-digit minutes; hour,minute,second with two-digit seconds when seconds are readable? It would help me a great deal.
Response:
12,23
